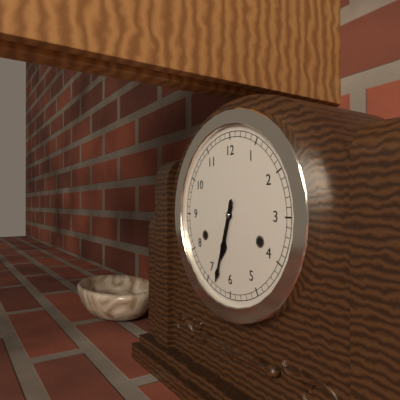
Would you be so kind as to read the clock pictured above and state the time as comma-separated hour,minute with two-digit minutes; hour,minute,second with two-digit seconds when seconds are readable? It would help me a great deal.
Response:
6,33
